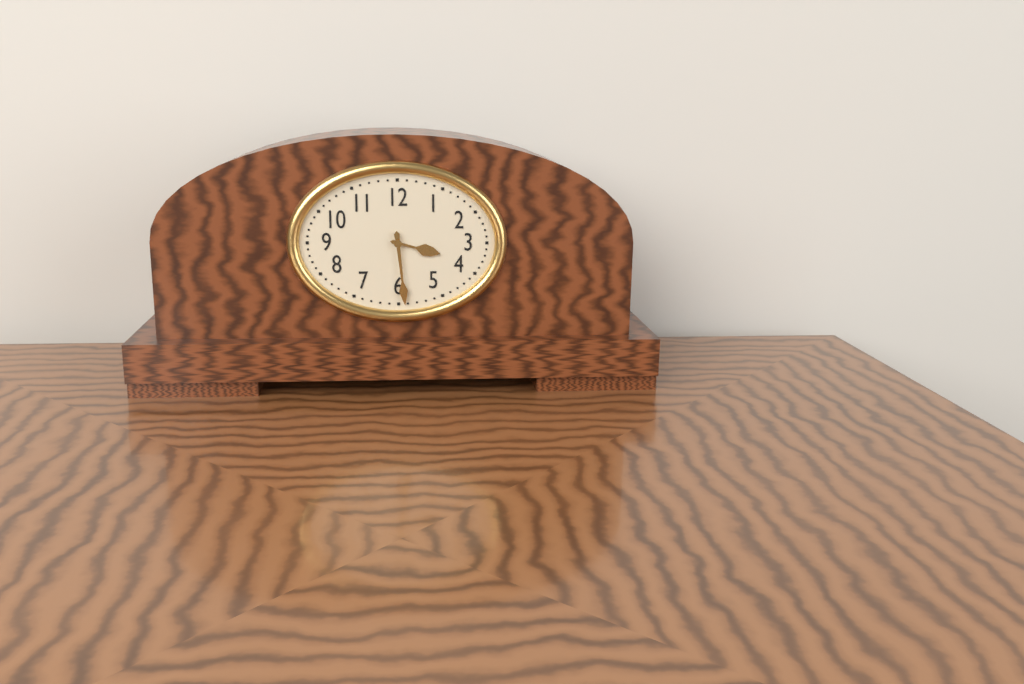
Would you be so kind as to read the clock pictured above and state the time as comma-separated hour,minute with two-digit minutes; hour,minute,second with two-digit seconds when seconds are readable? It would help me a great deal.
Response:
3,29
